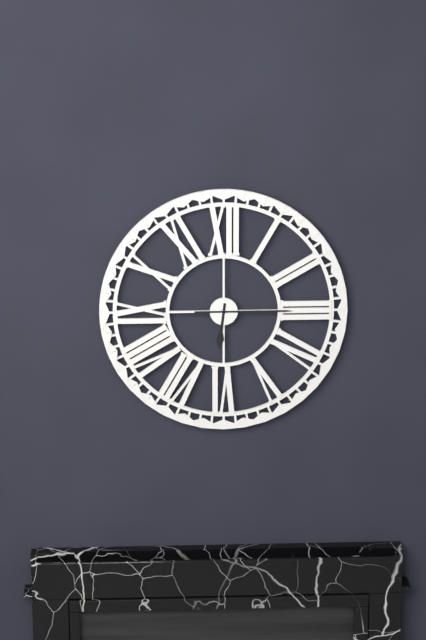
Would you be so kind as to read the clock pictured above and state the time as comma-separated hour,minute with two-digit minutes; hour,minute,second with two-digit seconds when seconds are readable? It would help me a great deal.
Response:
6,15
